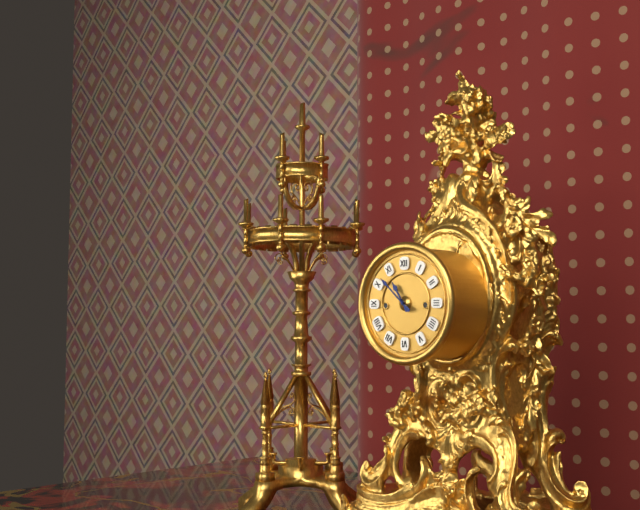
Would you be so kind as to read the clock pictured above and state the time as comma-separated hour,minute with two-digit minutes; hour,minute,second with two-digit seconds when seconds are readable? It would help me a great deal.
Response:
10,52
